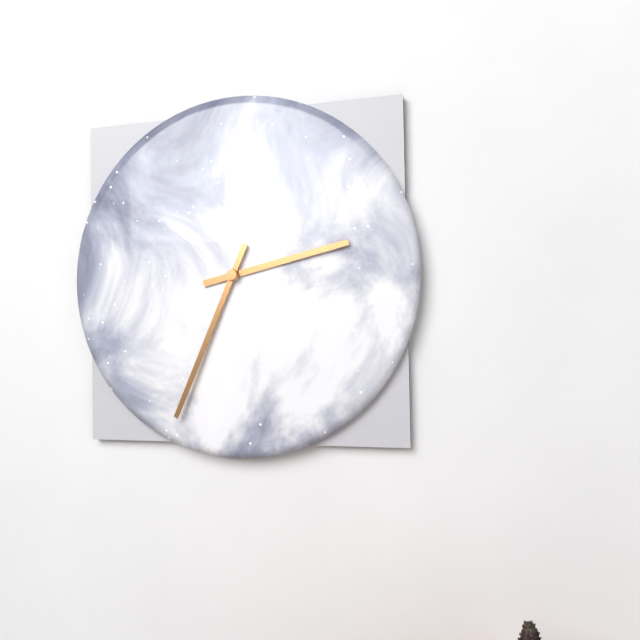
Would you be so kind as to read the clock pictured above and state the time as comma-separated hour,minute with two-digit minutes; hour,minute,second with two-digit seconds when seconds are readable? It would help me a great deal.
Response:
2,34
